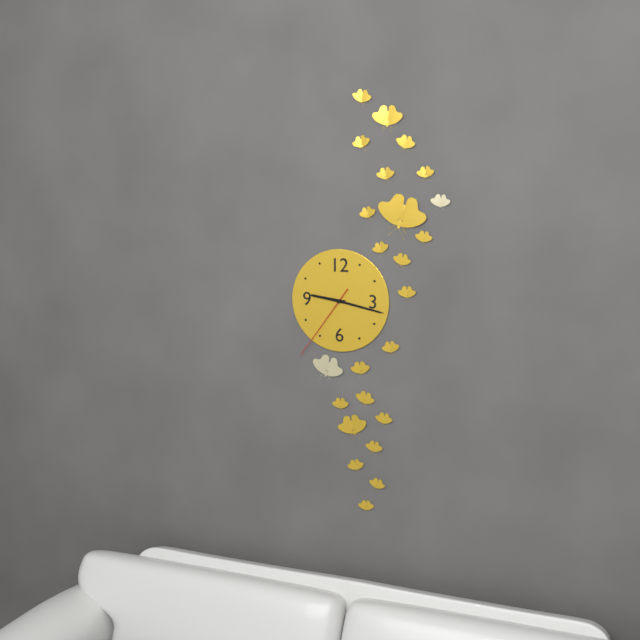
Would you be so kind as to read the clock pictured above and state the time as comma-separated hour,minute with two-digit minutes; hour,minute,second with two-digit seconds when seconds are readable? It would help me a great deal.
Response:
9,17,36
